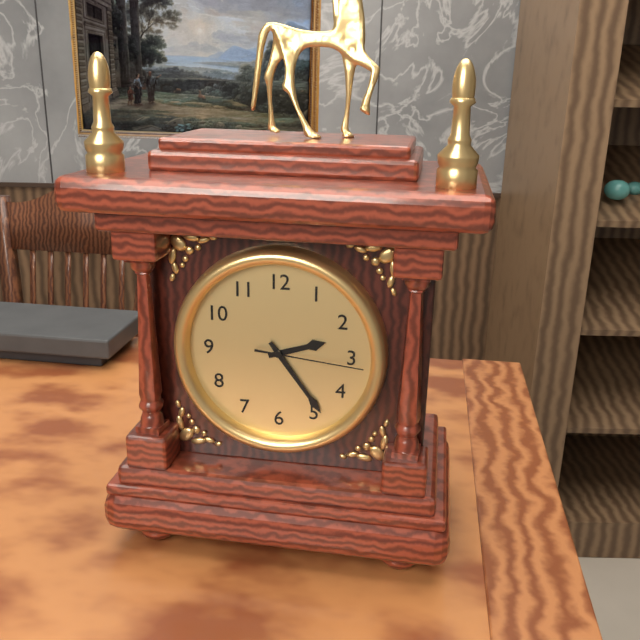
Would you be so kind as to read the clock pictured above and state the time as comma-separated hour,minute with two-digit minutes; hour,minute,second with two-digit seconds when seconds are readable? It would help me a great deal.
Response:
2,24,16
